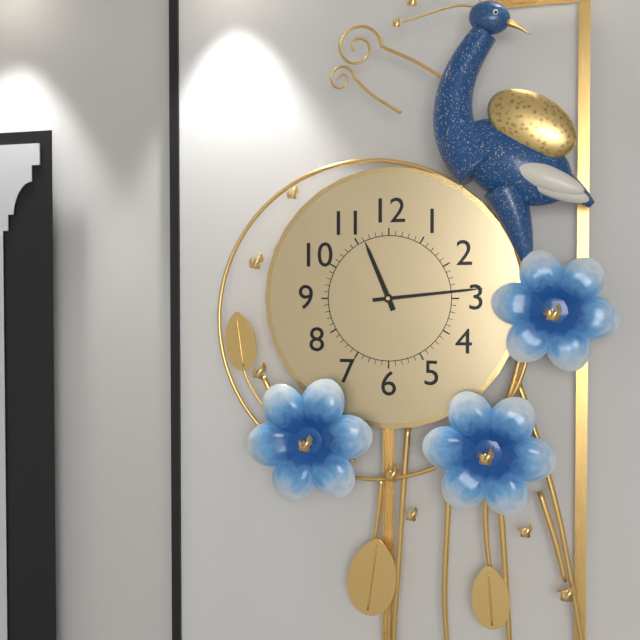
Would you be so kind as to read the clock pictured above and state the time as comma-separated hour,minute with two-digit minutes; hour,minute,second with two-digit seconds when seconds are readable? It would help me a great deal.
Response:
11,14
